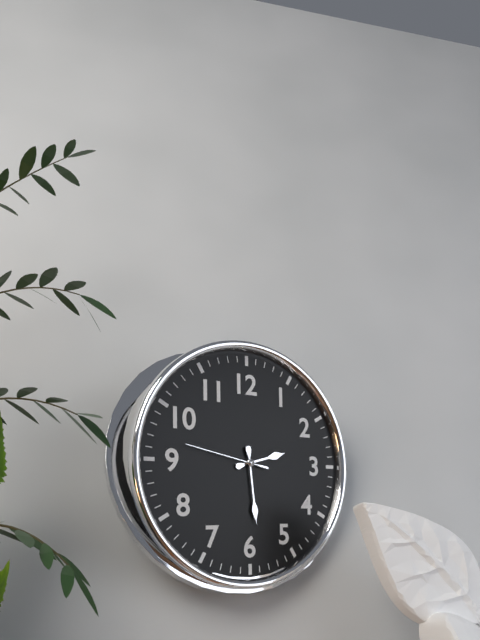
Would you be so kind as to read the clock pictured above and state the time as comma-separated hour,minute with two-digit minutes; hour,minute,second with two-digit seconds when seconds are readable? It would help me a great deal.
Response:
2,29,47
